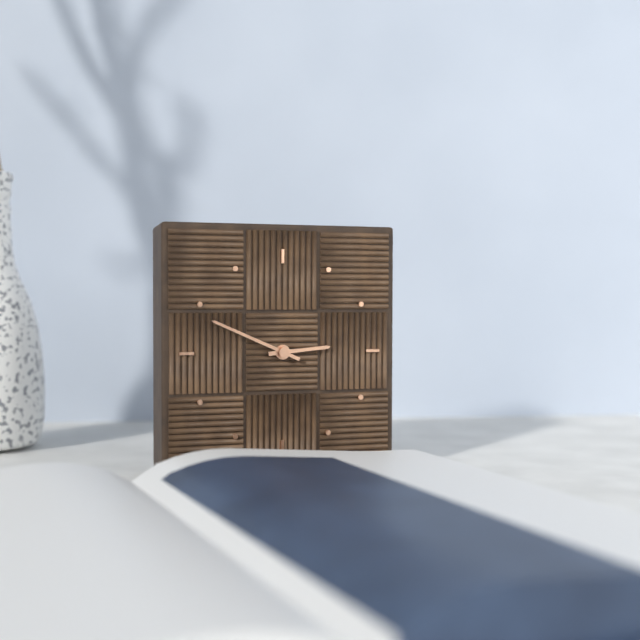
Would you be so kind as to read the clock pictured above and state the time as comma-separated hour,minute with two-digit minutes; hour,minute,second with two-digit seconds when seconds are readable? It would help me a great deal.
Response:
2,49
